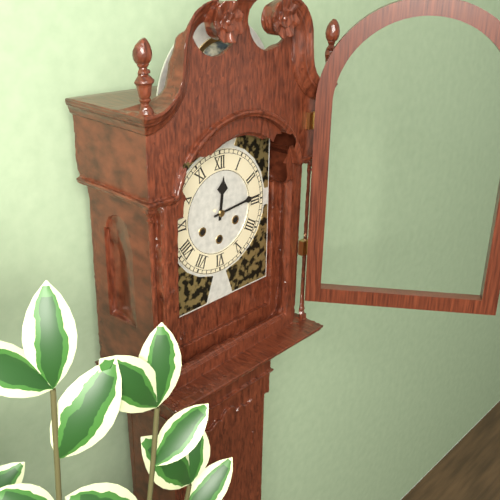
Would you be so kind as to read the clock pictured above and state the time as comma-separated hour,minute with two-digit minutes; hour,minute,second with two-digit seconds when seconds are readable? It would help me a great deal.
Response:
12,14
